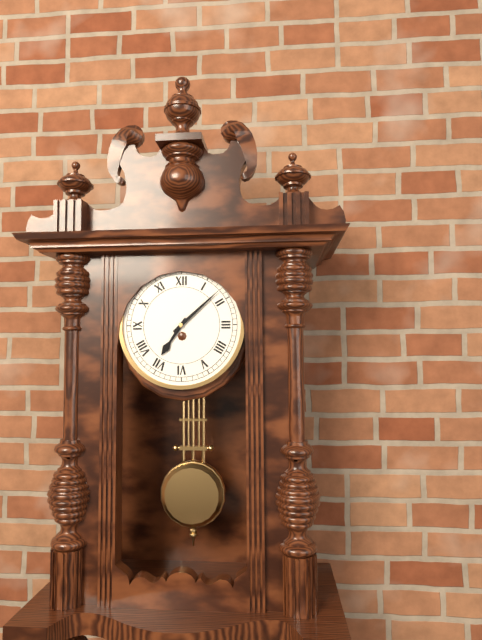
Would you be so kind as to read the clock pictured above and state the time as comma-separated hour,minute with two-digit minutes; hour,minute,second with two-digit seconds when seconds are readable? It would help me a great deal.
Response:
7,08
